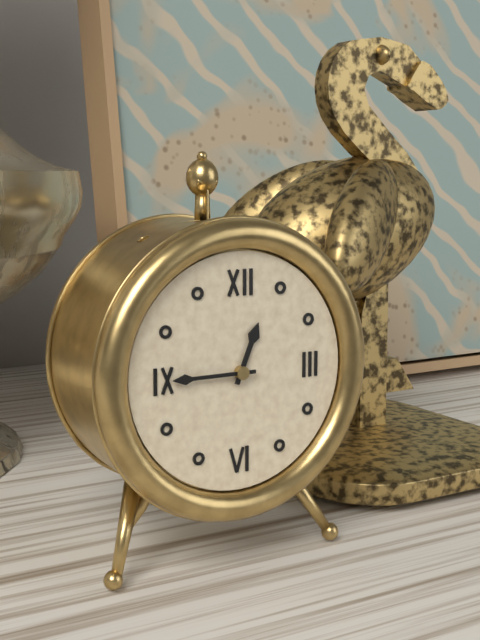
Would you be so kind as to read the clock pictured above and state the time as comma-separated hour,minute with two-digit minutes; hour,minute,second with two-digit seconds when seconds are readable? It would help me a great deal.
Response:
12,45
